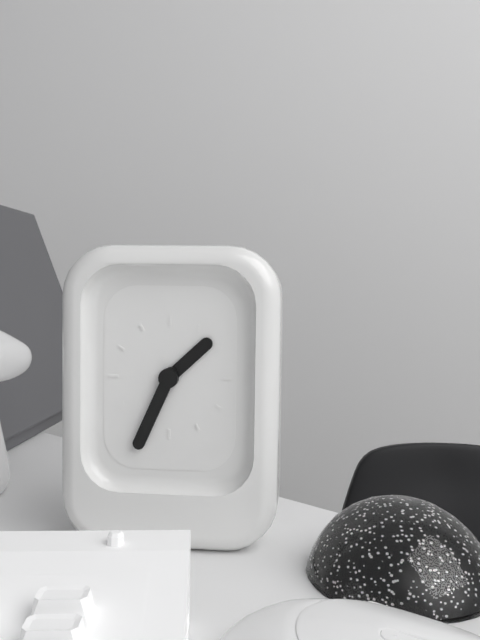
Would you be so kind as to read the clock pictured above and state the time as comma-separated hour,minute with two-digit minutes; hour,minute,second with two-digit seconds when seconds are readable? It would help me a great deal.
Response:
1,34
